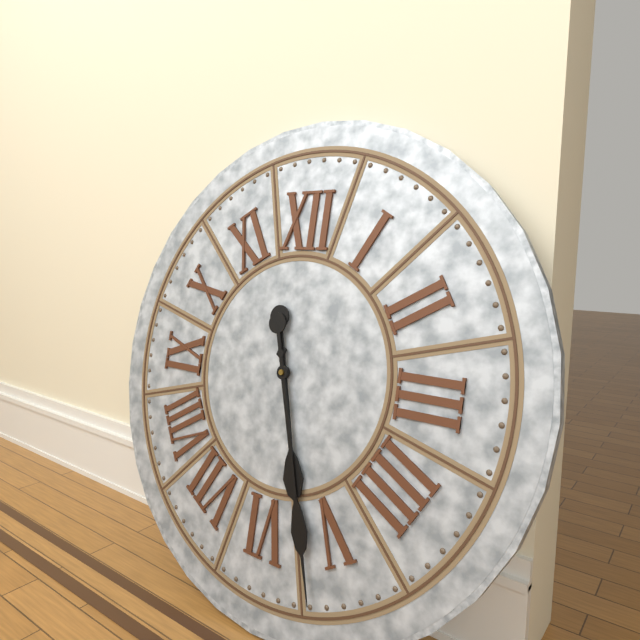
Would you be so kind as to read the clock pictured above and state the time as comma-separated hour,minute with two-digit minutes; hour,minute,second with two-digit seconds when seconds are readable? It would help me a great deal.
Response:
5,27
